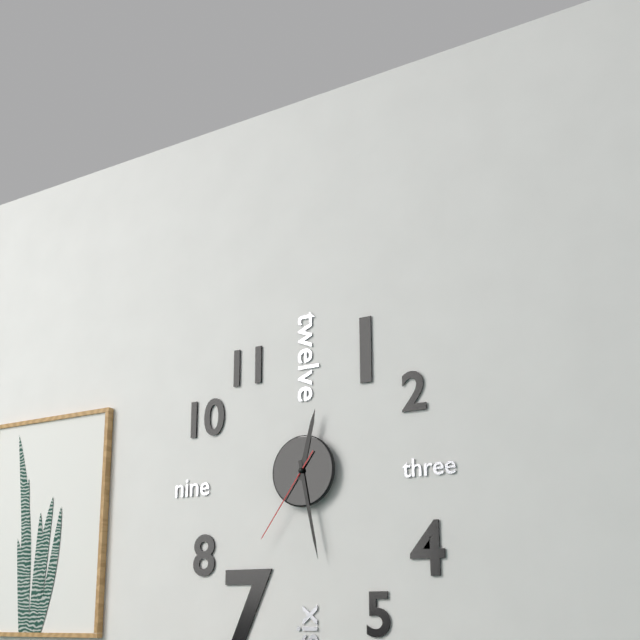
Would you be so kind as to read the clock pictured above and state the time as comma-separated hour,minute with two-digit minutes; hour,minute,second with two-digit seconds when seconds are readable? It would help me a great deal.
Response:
12,28,36
